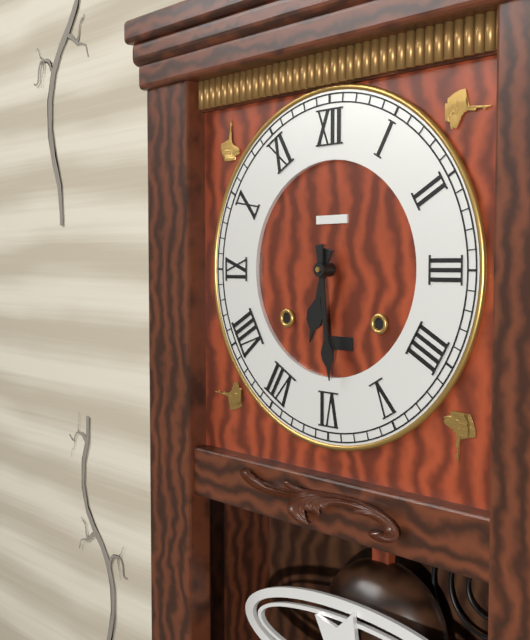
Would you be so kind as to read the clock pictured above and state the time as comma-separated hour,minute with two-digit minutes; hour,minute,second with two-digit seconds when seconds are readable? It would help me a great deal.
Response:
6,29
